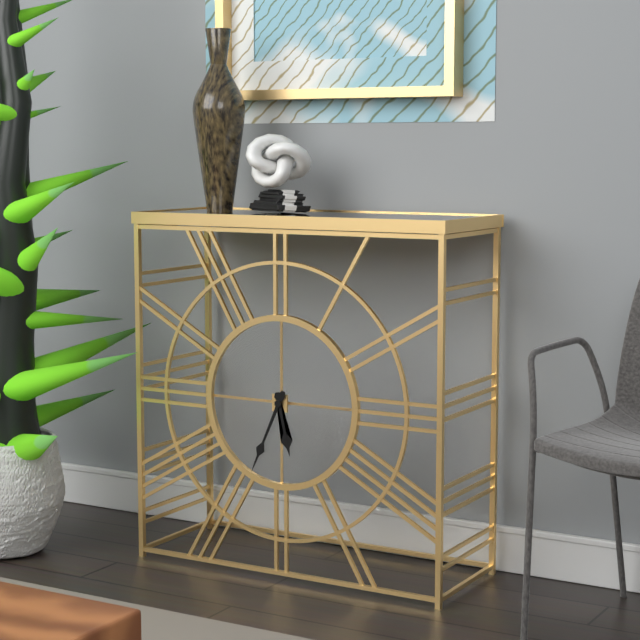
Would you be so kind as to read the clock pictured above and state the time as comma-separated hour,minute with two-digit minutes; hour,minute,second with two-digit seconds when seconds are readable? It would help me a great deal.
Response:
5,34
